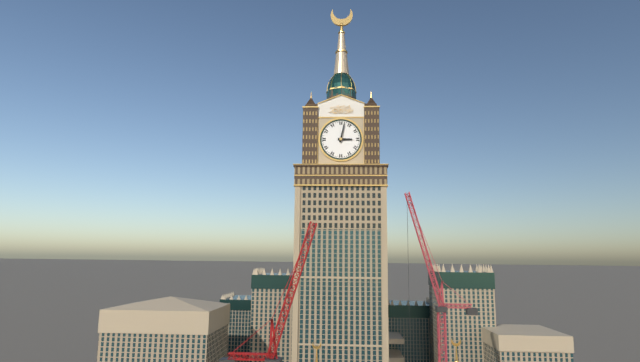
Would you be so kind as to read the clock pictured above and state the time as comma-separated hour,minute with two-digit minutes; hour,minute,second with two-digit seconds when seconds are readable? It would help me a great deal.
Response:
3,02
